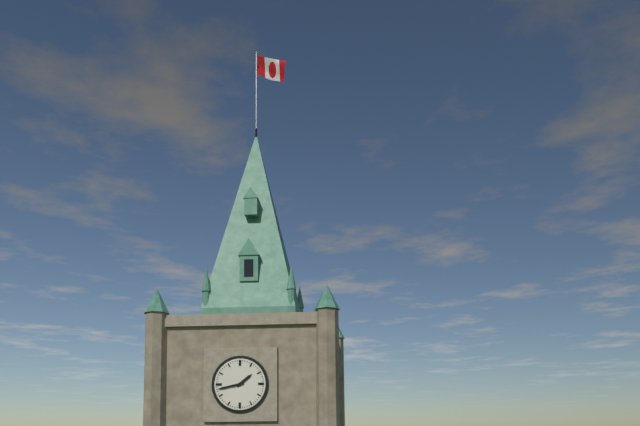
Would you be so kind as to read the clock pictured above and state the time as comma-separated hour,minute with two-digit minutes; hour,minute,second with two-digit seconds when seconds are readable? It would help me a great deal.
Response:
1,43
